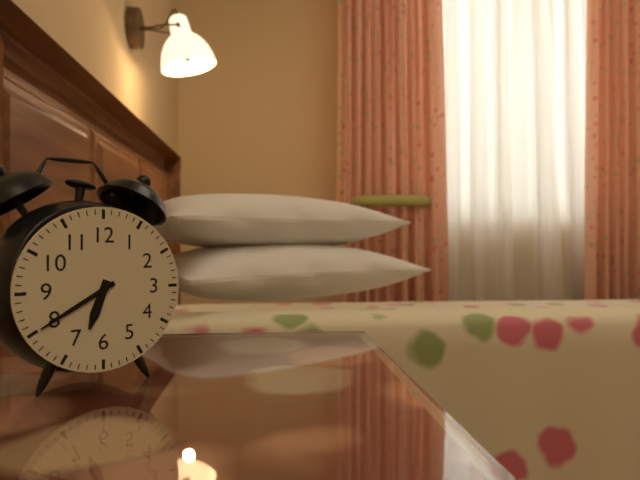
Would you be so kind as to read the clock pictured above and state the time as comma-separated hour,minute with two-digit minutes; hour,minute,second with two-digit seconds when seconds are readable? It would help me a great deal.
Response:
6,40
